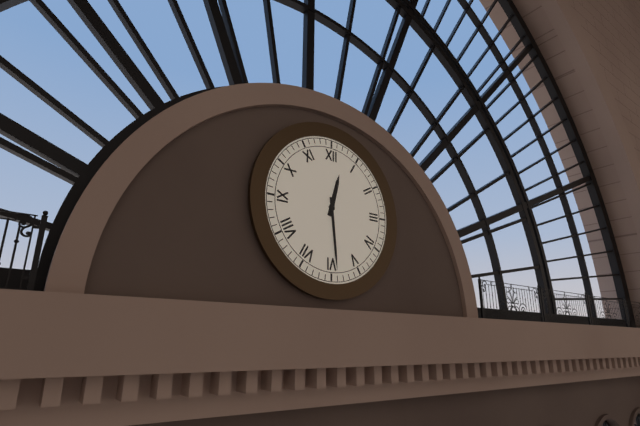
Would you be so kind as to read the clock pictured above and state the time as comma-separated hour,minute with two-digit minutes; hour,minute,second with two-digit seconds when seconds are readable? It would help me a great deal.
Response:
12,29
